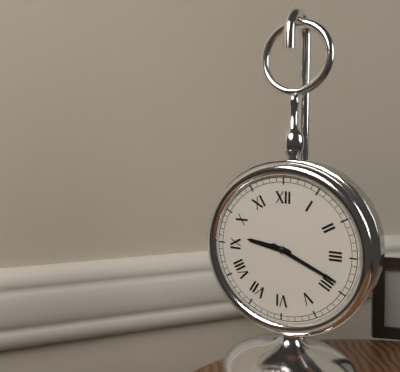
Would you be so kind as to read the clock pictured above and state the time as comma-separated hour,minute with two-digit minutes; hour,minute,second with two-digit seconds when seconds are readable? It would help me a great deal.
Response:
9,19
